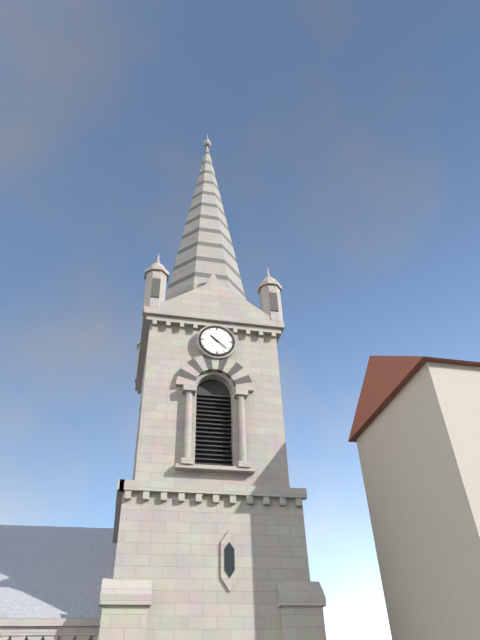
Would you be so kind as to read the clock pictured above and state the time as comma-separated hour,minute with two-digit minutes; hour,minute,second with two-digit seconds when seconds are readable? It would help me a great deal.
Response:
10,22
